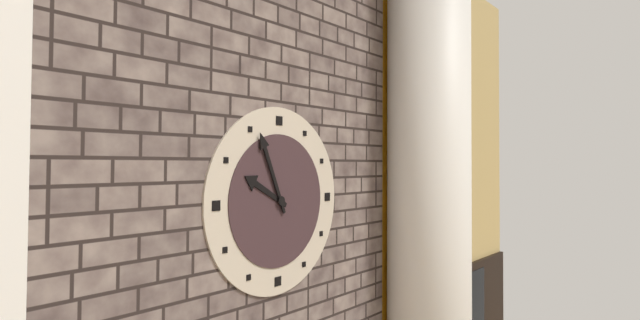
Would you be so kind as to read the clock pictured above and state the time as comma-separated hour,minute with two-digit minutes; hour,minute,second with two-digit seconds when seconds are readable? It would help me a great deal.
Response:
9,56
